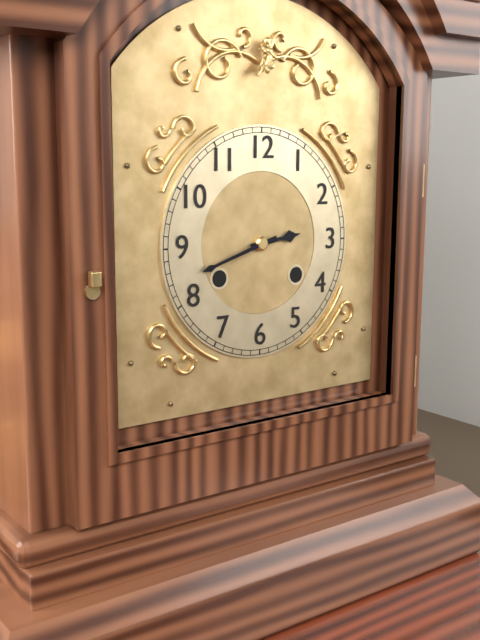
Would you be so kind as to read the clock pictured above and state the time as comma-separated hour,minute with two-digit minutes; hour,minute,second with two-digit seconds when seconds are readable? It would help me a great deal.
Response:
2,42
